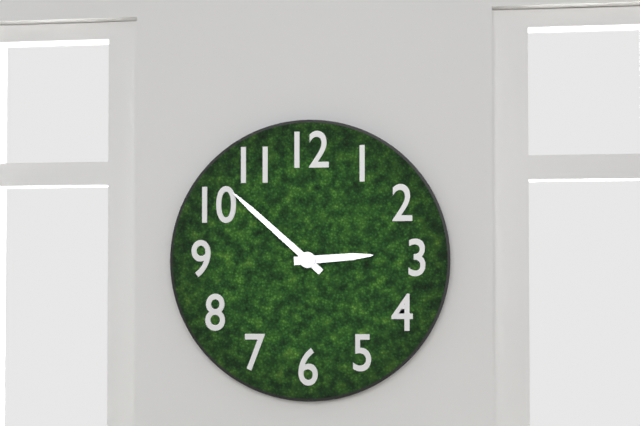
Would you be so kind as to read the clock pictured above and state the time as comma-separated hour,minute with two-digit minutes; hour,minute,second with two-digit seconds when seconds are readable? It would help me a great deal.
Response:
2,52
